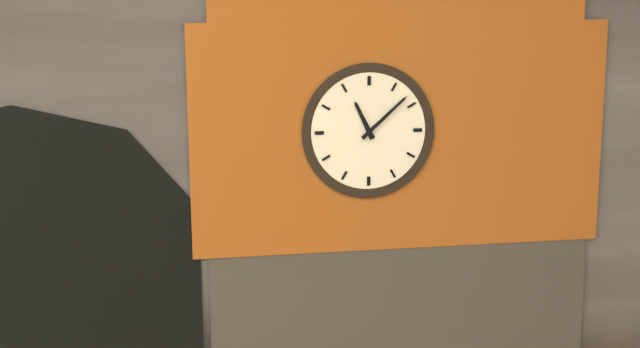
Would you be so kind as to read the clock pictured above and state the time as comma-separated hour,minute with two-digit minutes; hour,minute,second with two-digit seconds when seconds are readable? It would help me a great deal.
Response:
11,08
